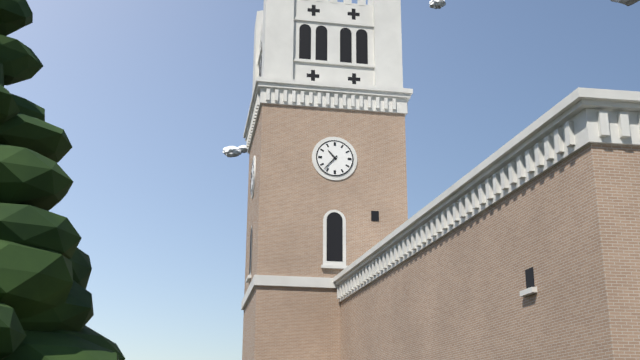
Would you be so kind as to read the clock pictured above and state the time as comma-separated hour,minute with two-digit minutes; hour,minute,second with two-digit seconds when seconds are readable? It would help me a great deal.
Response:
10,37
